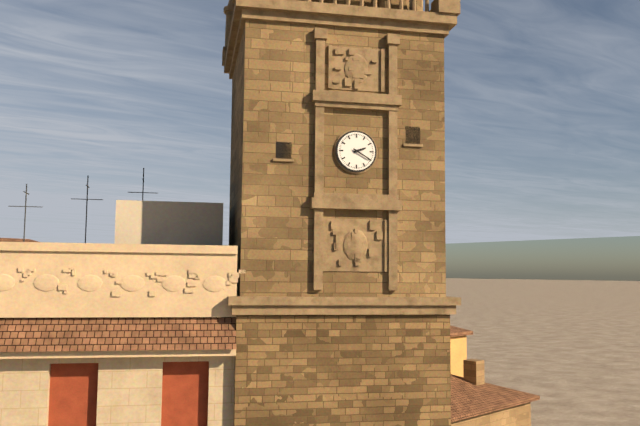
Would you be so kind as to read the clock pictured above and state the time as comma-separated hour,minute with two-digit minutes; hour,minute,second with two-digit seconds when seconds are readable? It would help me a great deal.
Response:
2,20
